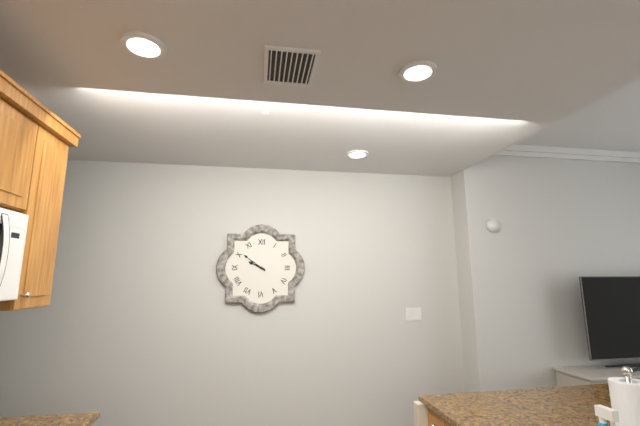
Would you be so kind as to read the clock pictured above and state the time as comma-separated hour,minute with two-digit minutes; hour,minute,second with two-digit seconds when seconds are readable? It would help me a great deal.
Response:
9,51
